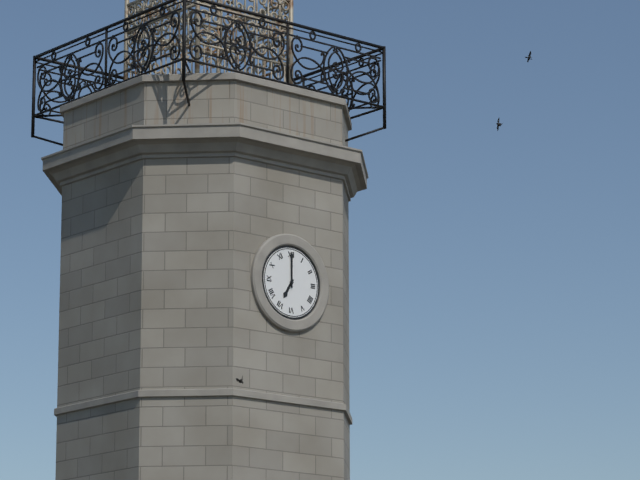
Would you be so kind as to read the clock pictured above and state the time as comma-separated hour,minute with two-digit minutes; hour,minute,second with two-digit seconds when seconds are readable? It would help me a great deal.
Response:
7,00
